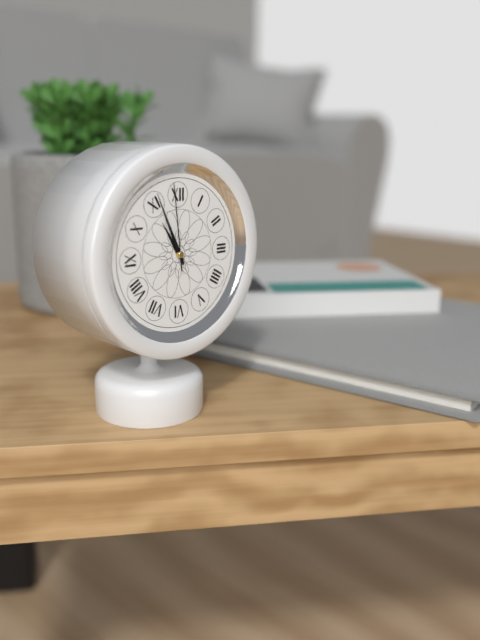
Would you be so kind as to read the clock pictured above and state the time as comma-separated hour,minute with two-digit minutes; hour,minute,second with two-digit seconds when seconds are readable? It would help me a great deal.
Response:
10,56,59
